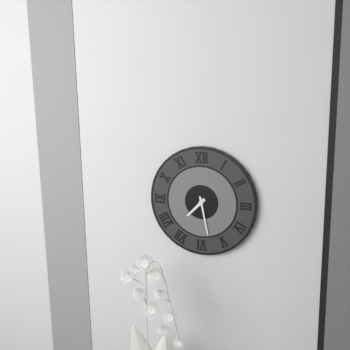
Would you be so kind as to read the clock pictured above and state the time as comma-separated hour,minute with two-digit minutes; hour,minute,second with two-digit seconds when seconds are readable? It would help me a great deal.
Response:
7,28
